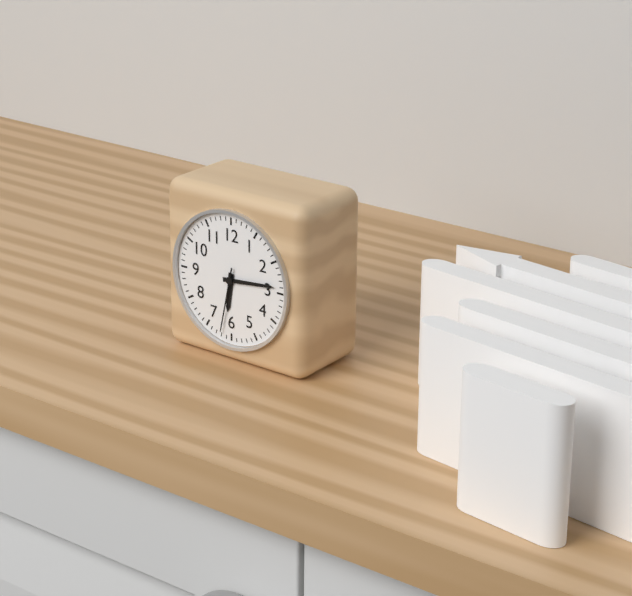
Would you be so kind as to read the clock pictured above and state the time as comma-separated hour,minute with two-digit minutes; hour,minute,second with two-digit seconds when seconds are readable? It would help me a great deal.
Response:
6,14,32
